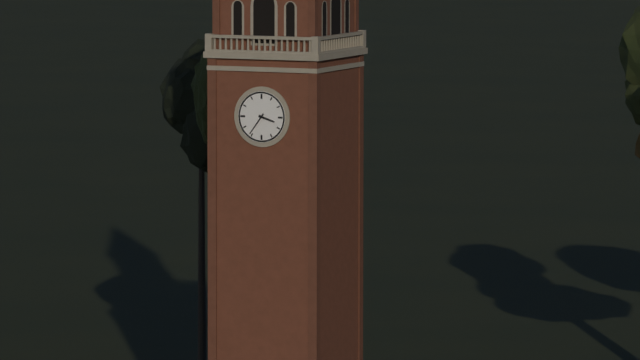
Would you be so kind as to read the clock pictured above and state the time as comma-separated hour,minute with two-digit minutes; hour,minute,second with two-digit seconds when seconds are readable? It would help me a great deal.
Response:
3,36
